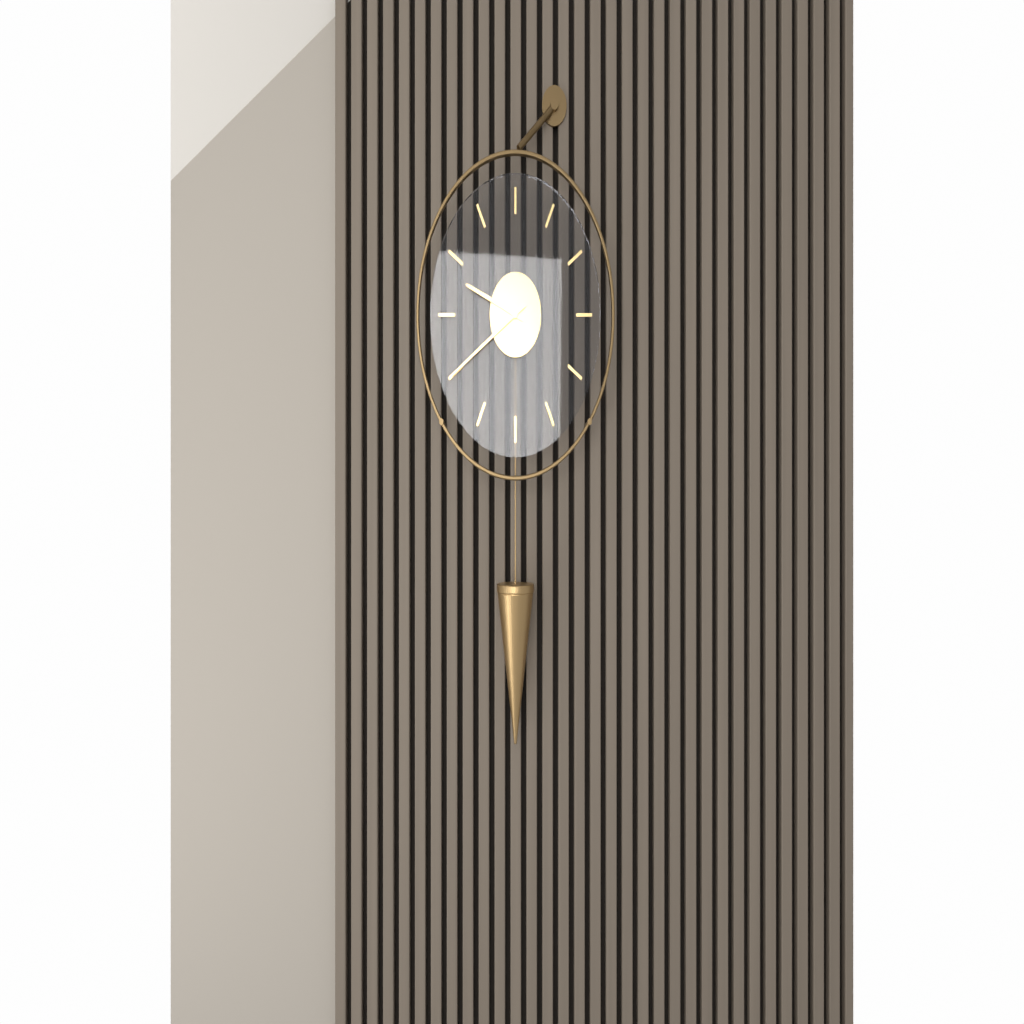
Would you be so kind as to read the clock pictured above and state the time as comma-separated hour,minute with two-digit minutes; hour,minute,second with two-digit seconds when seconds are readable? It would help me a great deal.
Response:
9,40
